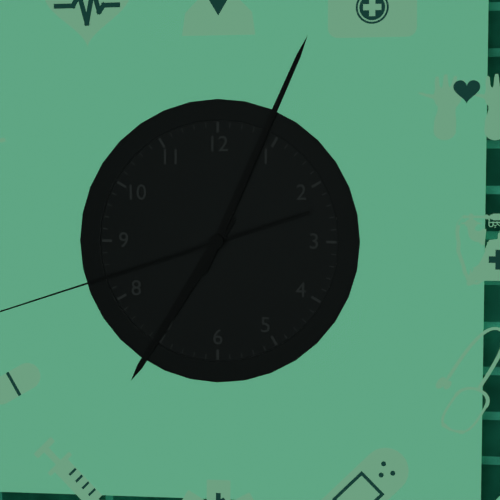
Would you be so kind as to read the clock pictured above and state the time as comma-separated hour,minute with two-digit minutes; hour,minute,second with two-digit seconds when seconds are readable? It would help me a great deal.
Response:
7,04
